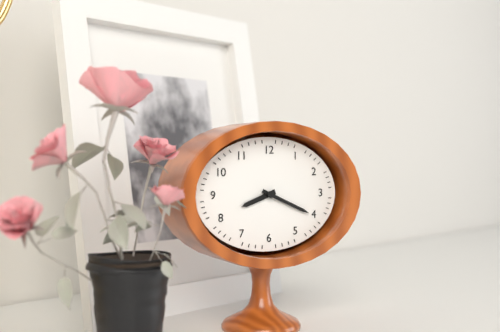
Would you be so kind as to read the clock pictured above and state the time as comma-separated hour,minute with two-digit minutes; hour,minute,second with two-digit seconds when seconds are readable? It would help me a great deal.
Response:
8,19
